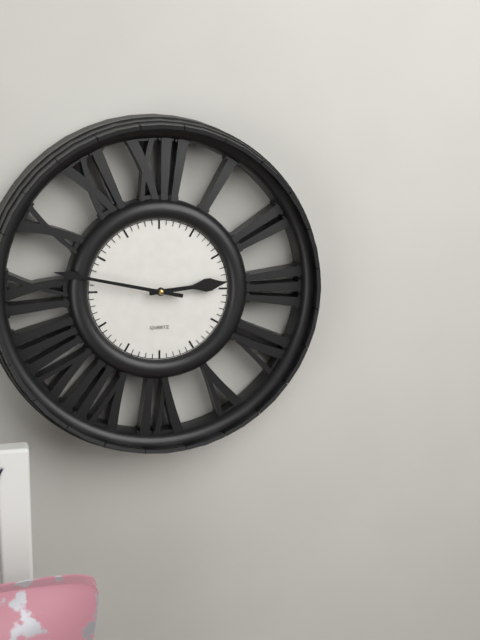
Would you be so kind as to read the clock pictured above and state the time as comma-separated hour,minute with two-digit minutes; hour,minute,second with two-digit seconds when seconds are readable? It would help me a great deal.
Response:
2,47
